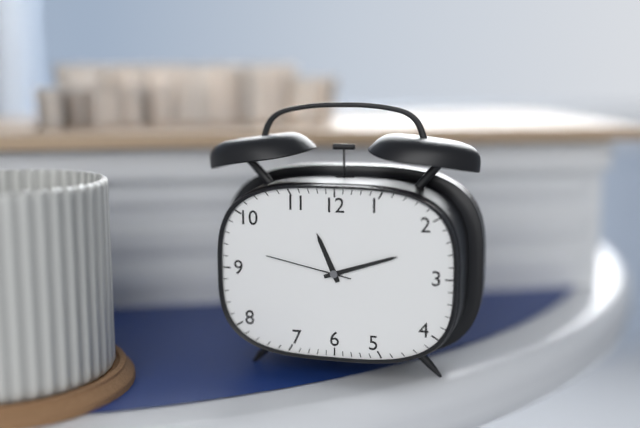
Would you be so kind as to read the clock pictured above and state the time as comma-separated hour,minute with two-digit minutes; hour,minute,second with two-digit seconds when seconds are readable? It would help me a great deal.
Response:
11,12,47
